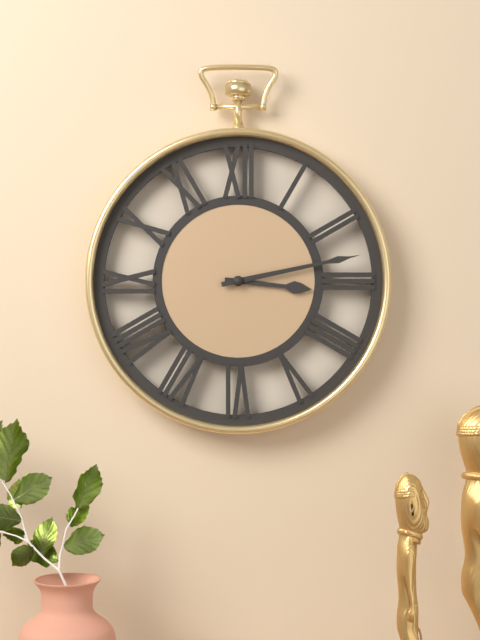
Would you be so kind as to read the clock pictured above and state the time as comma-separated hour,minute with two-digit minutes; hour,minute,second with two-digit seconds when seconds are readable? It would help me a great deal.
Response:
3,13
